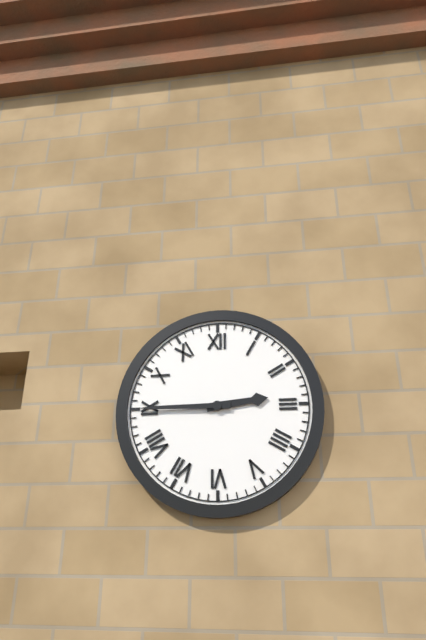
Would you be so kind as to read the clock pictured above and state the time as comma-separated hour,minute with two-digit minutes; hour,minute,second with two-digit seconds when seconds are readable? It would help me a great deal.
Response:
2,45
